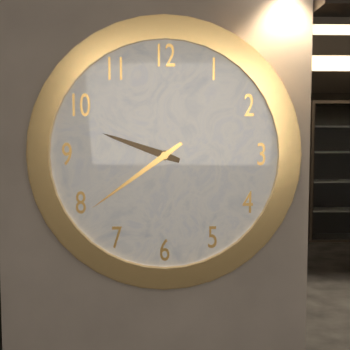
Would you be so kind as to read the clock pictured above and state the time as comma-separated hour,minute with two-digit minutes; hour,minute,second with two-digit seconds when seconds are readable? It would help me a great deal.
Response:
9,39
